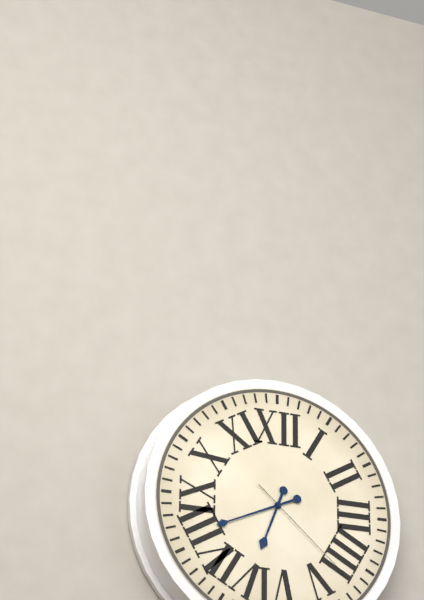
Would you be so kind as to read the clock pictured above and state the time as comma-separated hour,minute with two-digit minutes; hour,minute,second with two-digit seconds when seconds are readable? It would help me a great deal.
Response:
6,41,22
